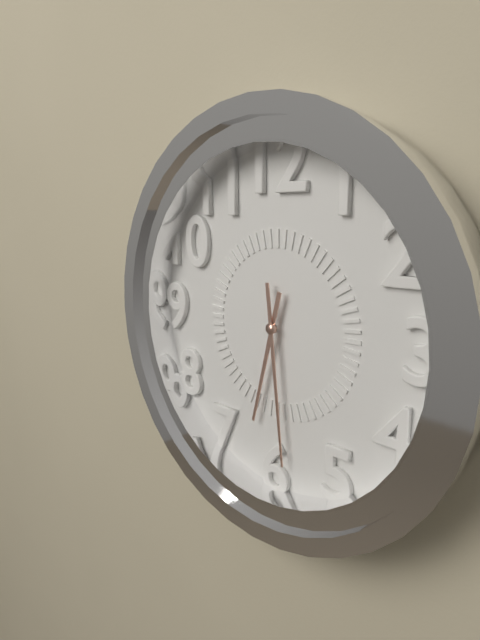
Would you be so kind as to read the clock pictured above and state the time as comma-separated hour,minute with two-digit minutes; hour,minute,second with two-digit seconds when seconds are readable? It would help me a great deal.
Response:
6,29
